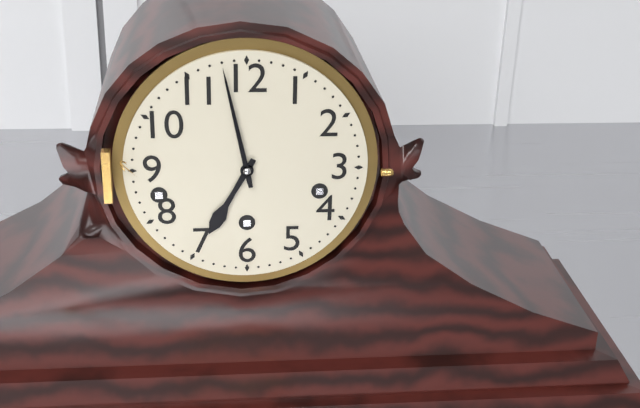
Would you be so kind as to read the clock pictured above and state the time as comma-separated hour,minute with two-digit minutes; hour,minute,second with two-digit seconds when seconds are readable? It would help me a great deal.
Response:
6,58
